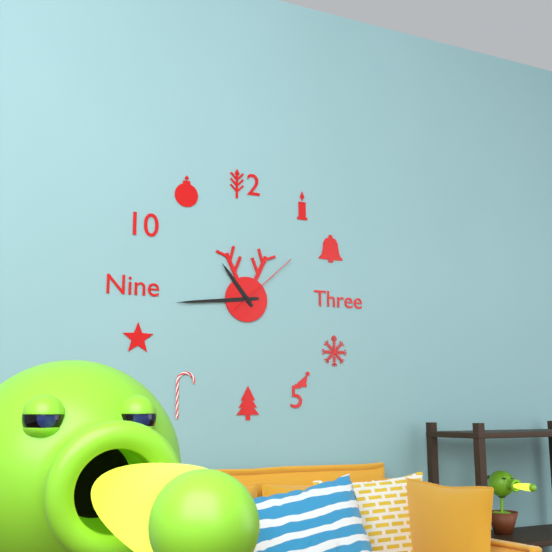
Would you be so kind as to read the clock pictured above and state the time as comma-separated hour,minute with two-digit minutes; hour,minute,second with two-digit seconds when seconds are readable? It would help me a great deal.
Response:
10,44,08
